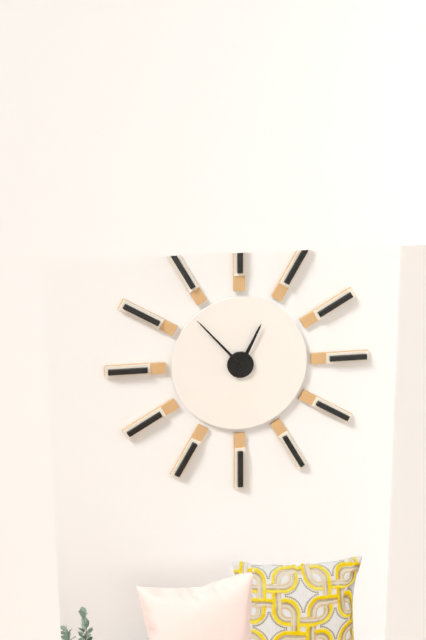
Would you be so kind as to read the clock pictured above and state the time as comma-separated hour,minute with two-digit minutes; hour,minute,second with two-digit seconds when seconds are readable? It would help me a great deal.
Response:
12,53
